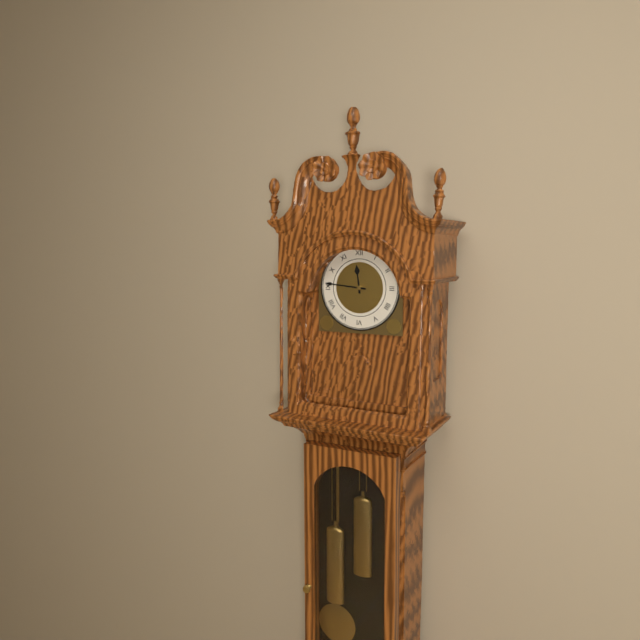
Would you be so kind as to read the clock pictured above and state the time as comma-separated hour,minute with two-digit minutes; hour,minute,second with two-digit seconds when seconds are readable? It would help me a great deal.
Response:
11,46
